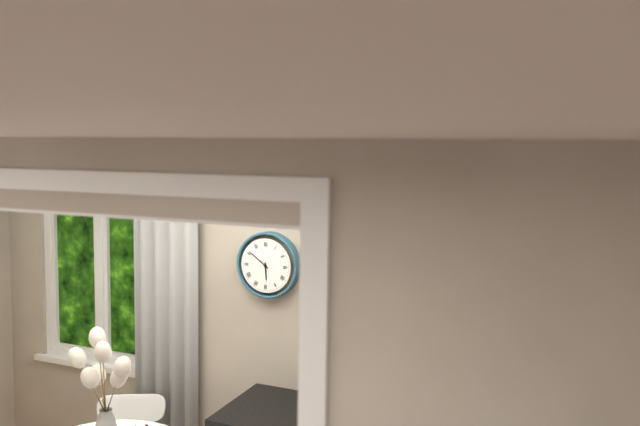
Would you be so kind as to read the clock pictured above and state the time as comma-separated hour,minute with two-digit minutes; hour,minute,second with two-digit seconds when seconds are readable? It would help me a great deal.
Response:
5,51
